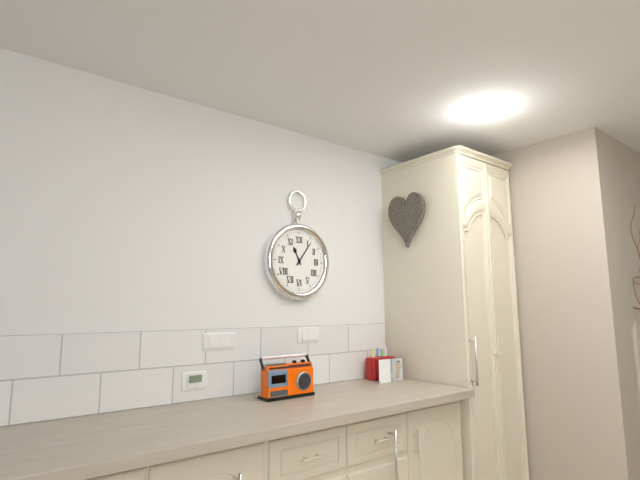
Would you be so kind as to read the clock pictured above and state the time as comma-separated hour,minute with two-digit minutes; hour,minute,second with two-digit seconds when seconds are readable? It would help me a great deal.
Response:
11,06
